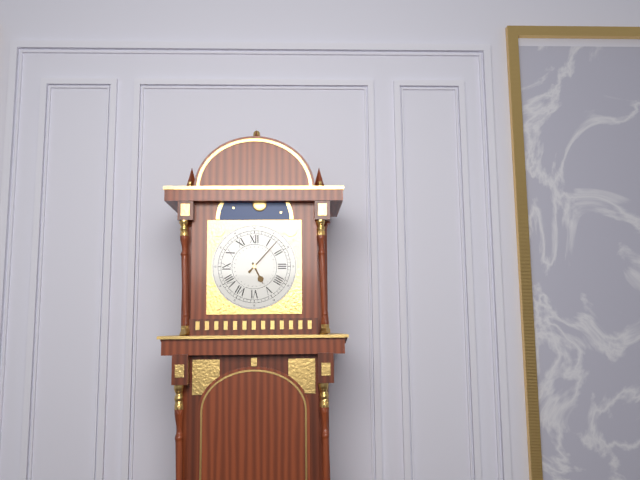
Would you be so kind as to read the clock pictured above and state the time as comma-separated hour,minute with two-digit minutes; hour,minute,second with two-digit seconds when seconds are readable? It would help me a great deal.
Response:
5,07
